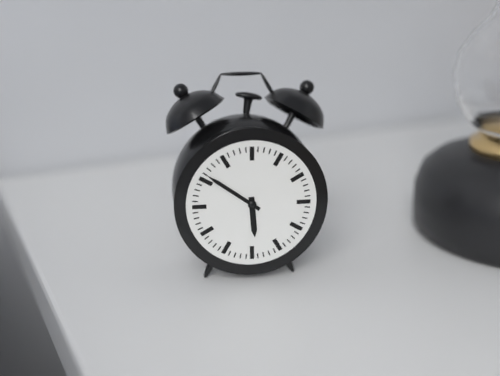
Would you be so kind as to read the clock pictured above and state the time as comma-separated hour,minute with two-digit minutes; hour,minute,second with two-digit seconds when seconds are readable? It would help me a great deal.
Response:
5,51
